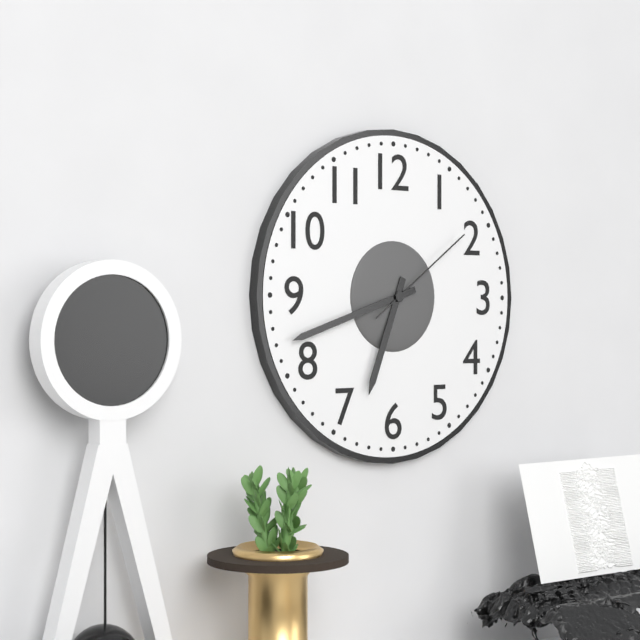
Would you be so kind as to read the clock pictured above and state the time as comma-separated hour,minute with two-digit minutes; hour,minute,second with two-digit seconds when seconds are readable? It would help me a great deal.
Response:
6,42,09
